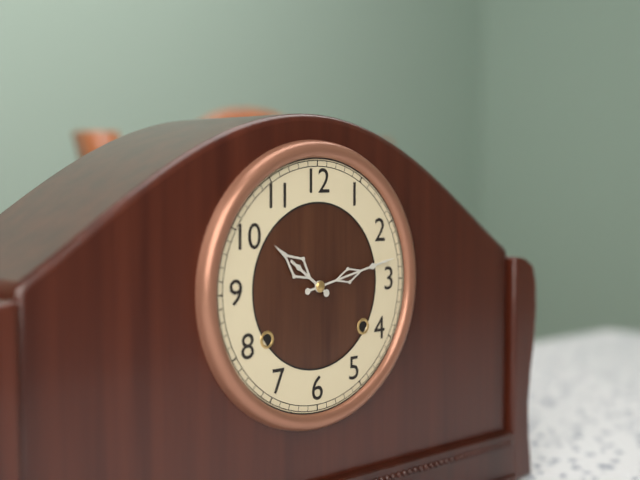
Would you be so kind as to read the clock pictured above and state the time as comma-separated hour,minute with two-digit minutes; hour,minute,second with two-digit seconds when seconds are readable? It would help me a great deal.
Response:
10,13
